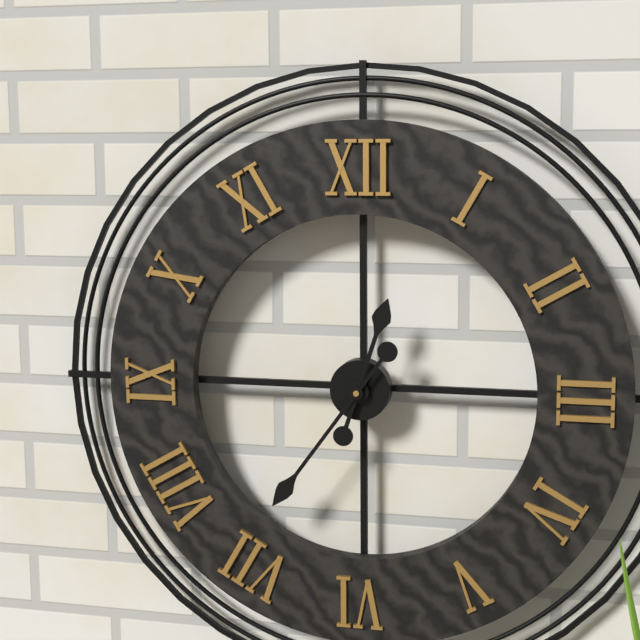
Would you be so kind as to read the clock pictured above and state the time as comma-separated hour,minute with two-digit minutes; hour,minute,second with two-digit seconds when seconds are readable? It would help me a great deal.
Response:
12,36
